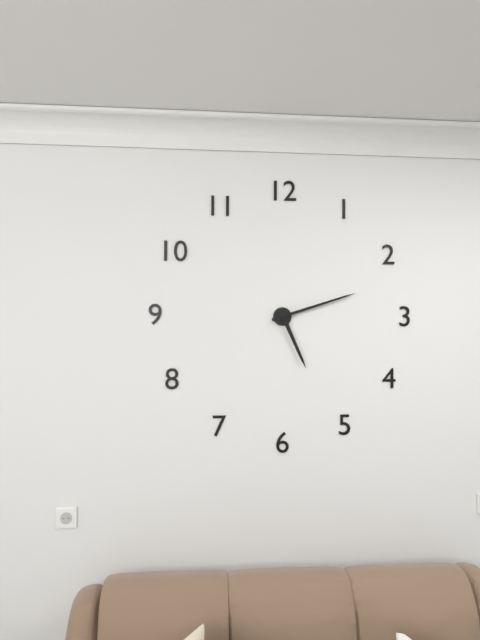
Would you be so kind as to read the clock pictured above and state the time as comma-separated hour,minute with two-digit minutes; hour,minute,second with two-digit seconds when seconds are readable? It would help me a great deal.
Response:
5,12
